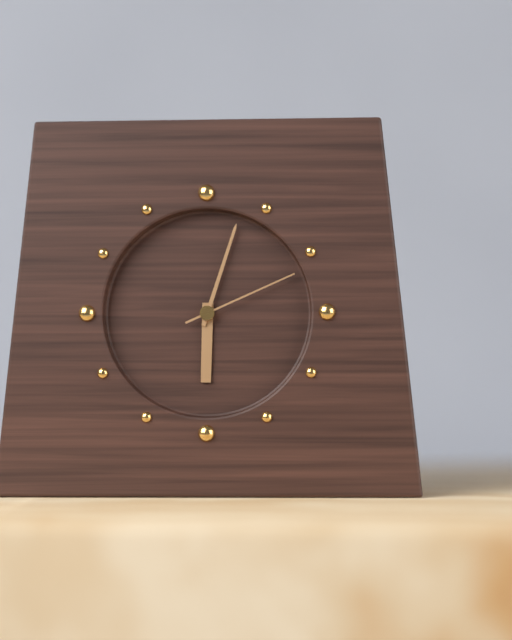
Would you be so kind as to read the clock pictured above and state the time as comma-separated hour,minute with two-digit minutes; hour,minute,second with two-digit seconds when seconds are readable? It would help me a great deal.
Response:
6,03,11
